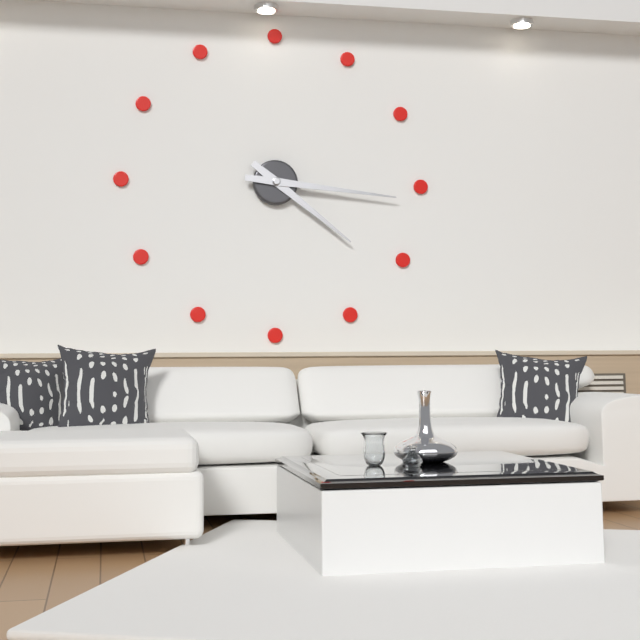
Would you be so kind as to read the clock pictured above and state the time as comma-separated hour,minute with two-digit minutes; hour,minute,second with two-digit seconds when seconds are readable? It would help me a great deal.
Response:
4,16
